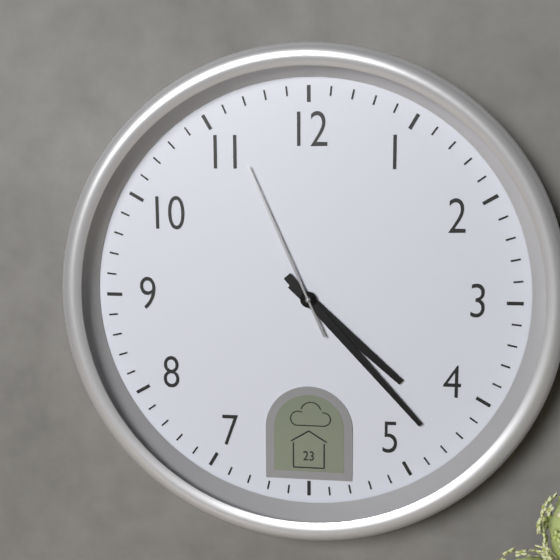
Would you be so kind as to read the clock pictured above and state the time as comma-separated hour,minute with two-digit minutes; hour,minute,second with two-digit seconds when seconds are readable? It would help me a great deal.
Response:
4,23,56
